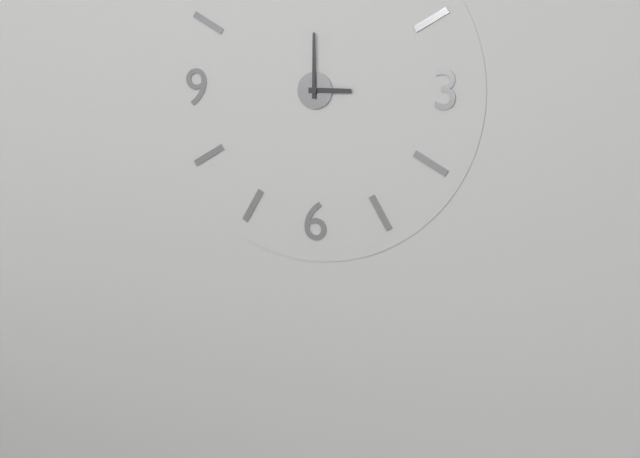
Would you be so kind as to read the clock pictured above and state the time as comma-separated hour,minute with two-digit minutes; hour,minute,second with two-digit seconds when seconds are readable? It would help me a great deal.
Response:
3,00
